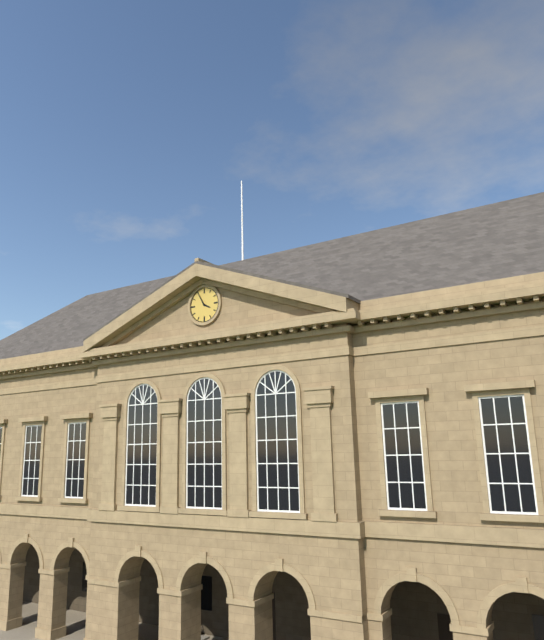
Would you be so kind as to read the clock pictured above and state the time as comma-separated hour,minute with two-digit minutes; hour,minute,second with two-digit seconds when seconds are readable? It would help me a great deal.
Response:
3,55
